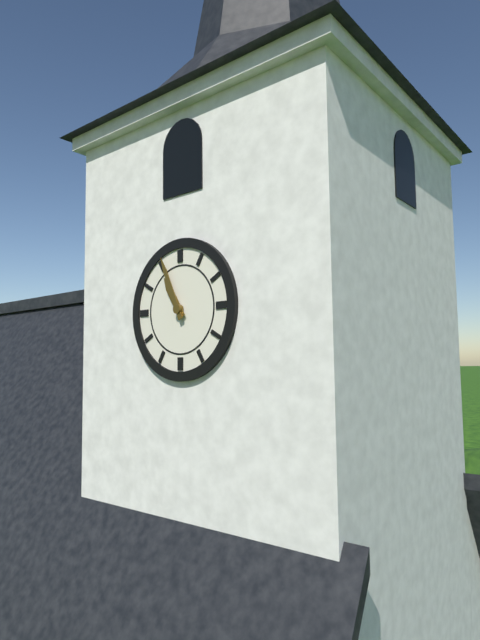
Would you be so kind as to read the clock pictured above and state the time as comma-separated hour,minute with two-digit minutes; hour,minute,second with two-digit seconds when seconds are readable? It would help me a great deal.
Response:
10,56
